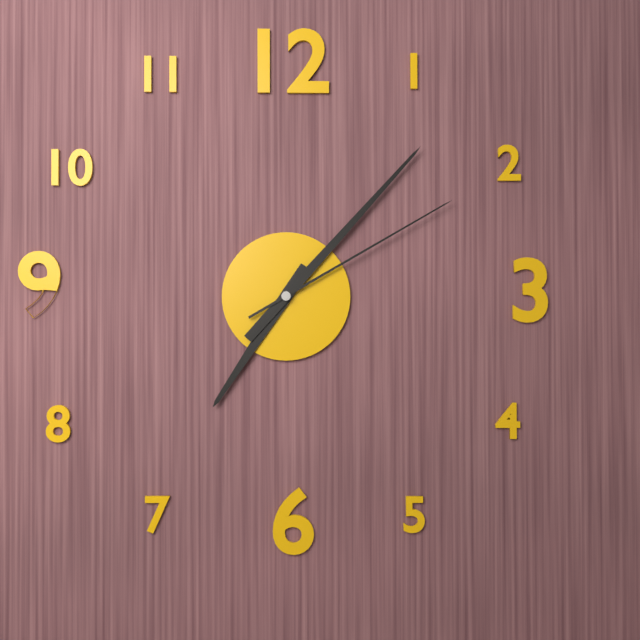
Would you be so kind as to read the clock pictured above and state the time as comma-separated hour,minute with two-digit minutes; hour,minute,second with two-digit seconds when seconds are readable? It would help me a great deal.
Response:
7,07,10
